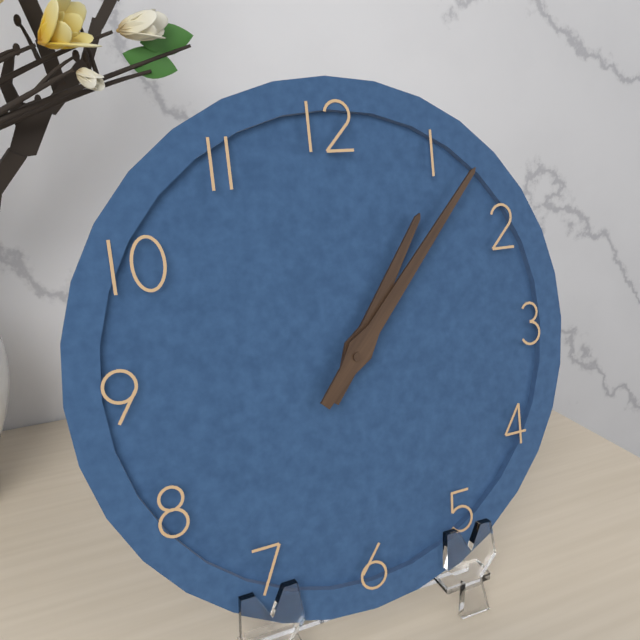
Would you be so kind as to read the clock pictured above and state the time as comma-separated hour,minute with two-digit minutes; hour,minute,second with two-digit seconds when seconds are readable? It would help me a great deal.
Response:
1,07
